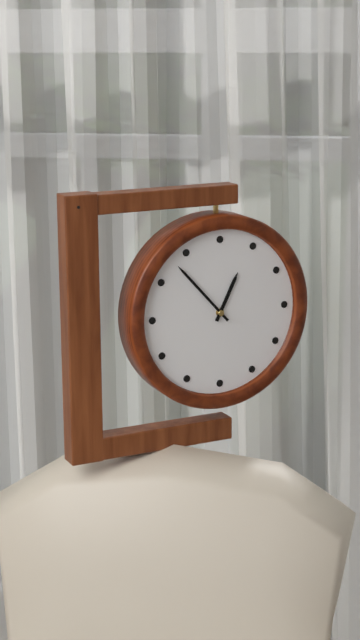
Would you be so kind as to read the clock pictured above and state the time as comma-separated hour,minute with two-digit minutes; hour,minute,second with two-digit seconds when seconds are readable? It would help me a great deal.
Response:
12,53
